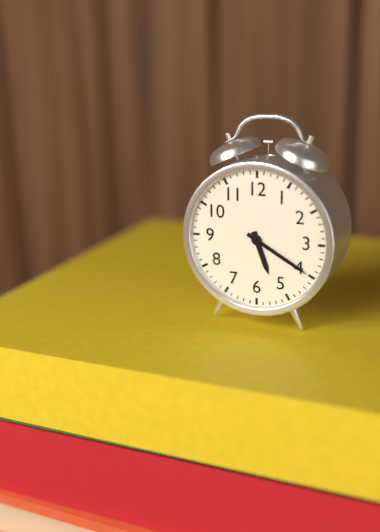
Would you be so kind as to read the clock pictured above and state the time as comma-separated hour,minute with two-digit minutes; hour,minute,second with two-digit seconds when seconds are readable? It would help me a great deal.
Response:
5,20
